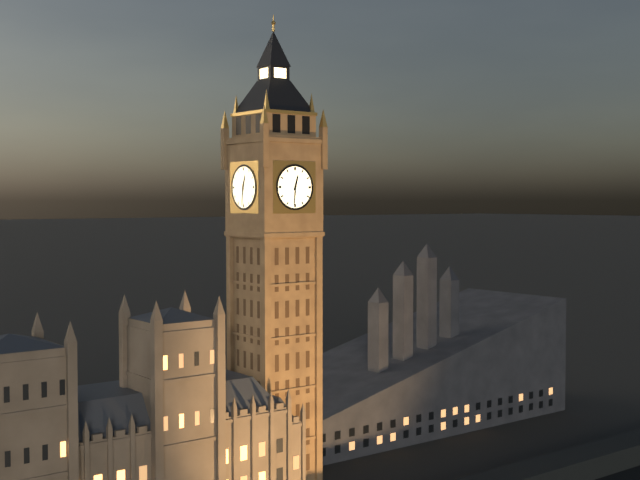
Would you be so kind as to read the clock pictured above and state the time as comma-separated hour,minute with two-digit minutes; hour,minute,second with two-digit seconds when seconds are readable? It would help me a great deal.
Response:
12,31
